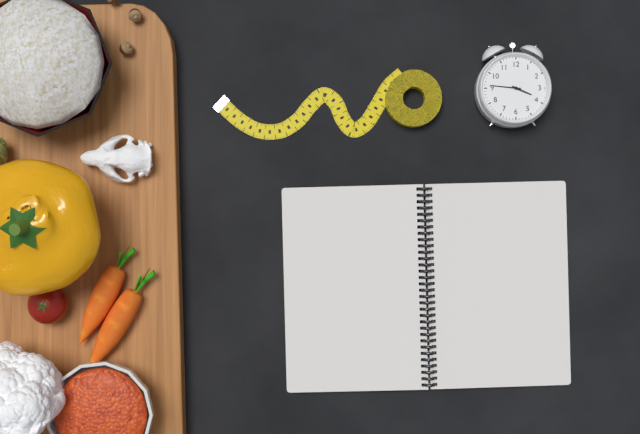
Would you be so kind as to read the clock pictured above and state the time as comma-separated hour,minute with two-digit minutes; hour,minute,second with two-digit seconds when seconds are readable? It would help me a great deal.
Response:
3,46
